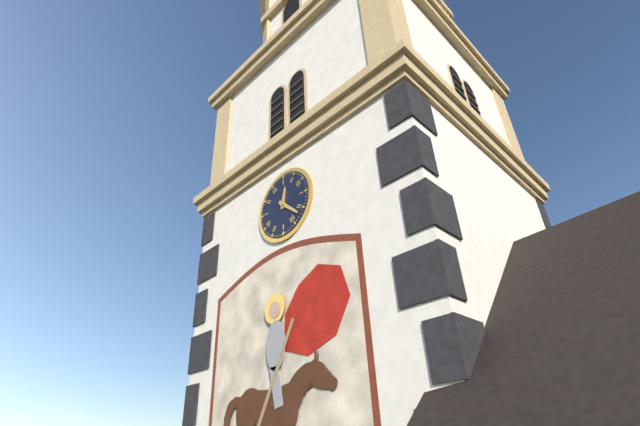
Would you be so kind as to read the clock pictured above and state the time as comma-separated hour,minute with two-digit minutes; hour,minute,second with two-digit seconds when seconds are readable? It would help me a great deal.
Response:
12,22
